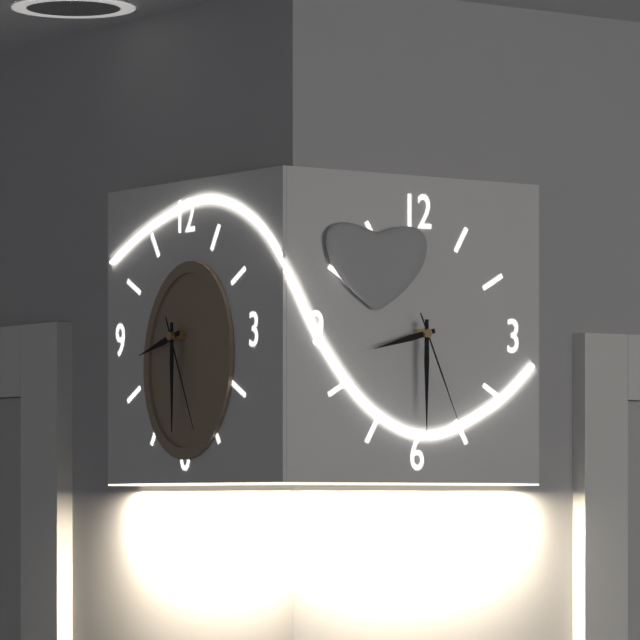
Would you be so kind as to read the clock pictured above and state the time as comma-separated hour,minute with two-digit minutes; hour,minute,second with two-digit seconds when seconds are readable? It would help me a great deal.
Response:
8,30,26
